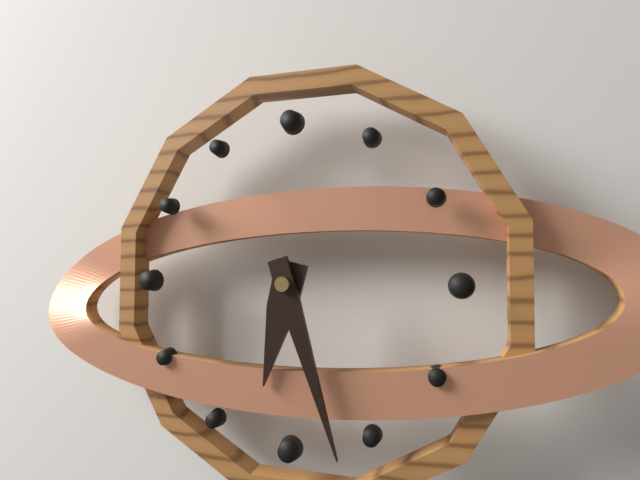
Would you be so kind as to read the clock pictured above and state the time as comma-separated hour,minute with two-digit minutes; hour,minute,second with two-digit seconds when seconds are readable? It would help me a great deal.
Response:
6,27
